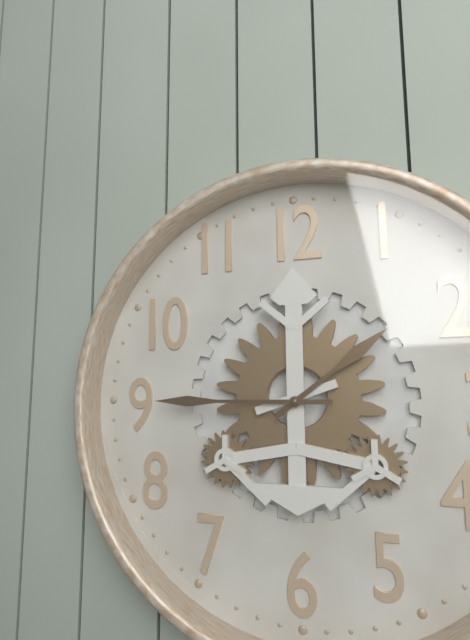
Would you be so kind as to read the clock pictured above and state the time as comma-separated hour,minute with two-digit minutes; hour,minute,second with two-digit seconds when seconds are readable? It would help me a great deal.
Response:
1,45
